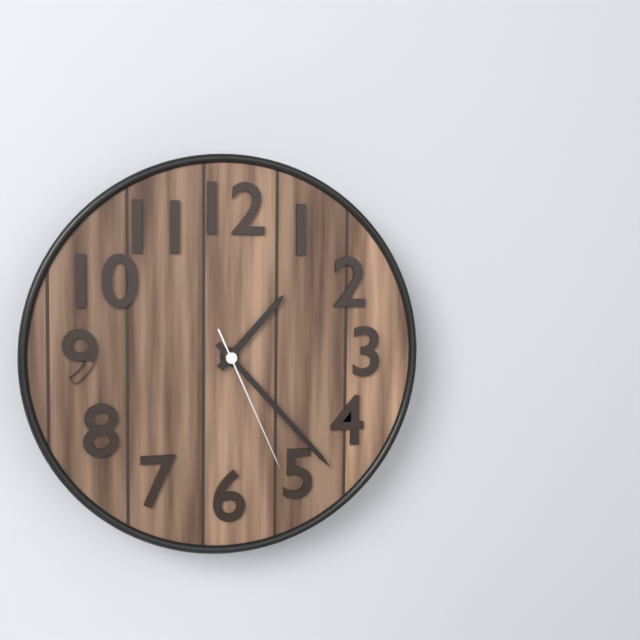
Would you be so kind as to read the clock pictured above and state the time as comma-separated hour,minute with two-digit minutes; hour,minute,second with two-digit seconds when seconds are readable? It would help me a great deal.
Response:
1,23,26
